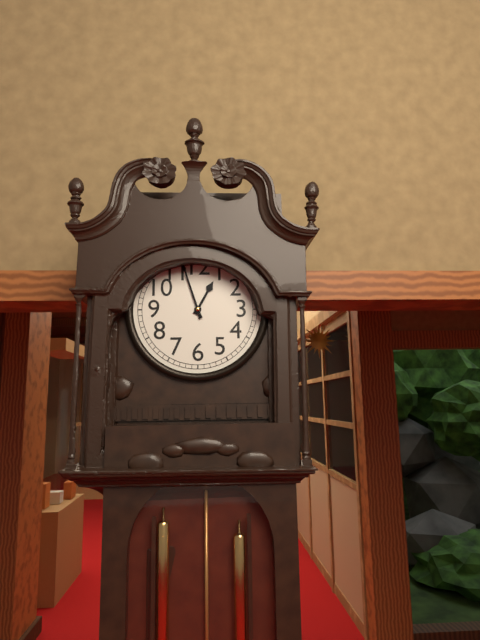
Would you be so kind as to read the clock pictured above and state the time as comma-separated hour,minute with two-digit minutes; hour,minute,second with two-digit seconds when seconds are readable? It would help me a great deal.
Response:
12,57
